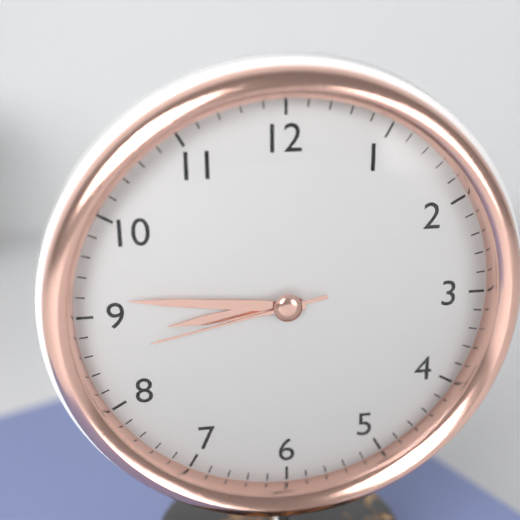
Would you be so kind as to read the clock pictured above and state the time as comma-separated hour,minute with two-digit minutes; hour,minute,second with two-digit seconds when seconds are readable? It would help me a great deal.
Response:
8,46,43
